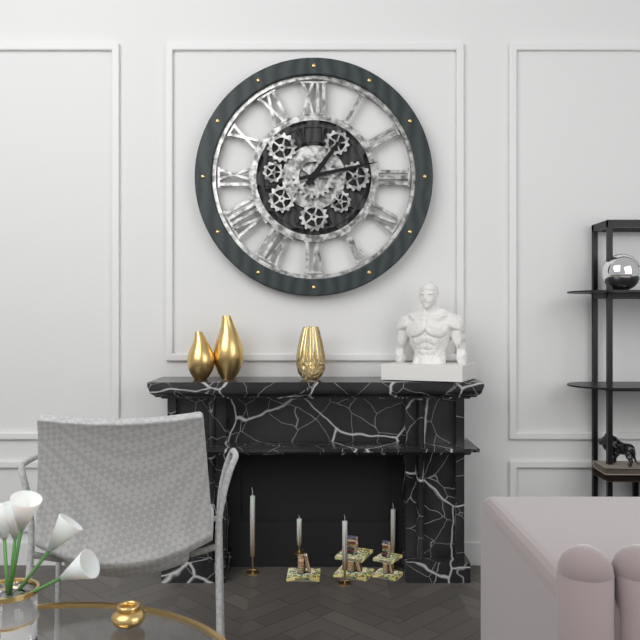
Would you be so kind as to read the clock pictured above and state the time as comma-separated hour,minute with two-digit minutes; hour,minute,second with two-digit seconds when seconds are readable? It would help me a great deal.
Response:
1,13
